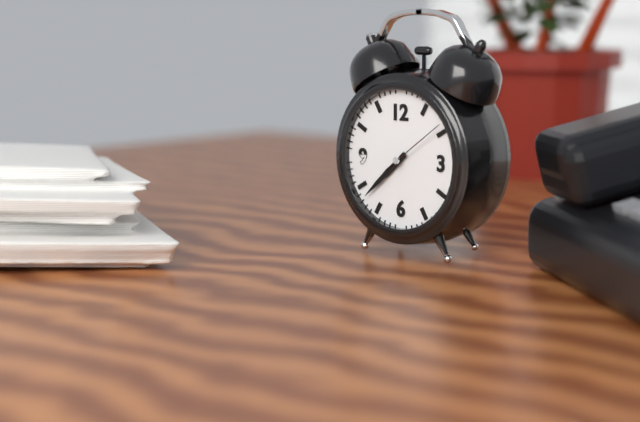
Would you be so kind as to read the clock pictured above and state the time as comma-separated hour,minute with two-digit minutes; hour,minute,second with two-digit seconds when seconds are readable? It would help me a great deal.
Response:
7,38,09
